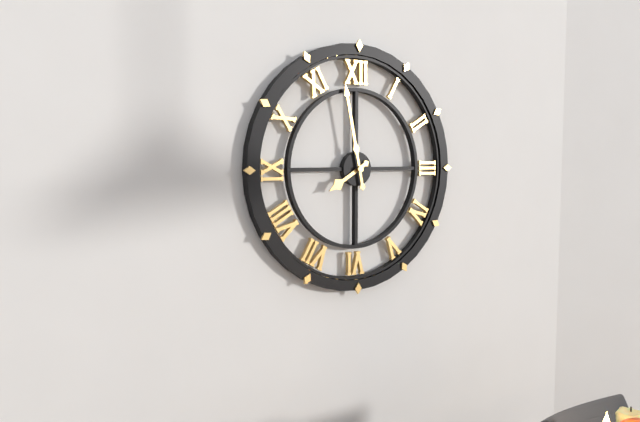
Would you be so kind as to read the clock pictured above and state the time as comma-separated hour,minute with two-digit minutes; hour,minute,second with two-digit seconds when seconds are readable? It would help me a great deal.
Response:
7,58
